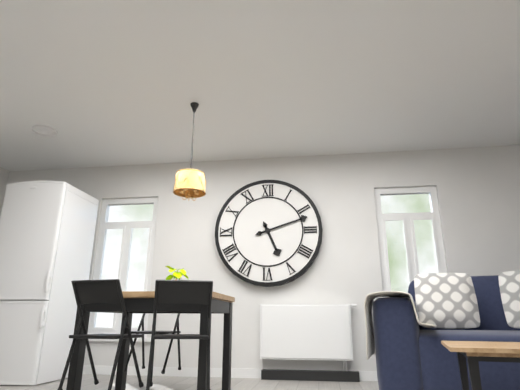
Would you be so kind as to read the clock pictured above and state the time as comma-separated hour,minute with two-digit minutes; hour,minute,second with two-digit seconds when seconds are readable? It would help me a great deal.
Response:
5,12
